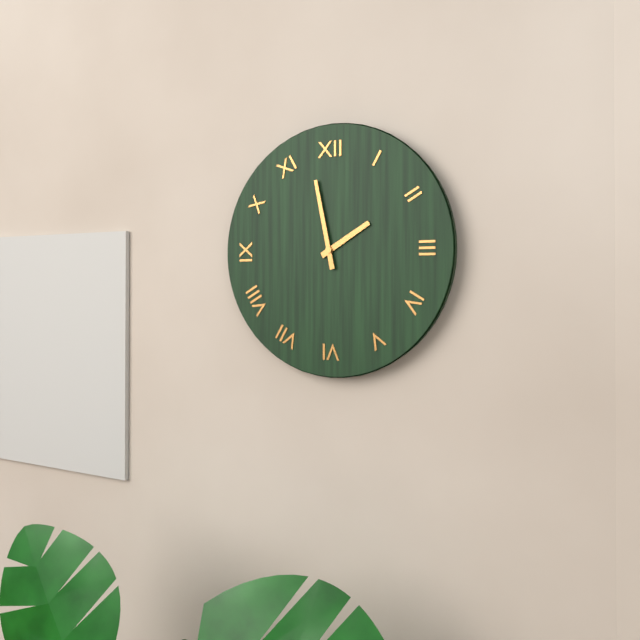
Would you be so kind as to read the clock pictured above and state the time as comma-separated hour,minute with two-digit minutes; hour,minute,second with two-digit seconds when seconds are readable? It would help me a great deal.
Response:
1,58
